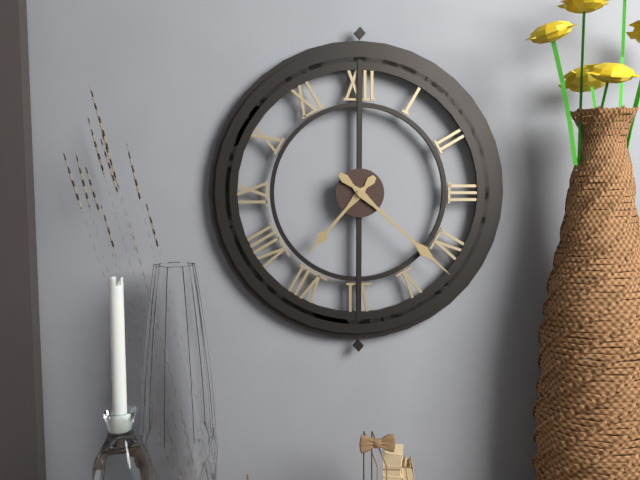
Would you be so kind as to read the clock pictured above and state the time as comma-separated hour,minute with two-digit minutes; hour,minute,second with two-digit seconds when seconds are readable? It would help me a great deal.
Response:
7,22
